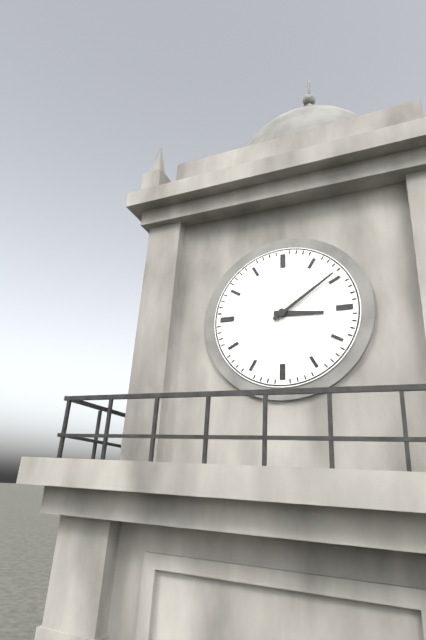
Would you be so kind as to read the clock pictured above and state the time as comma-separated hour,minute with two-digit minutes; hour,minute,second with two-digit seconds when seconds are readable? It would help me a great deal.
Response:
3,09
